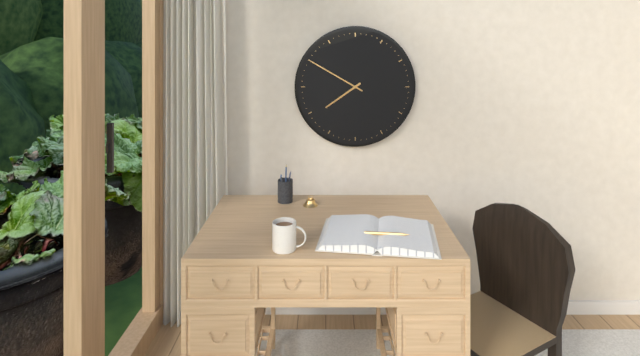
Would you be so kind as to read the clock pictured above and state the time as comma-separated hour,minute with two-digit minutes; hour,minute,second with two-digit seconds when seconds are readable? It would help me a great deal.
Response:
7,50
